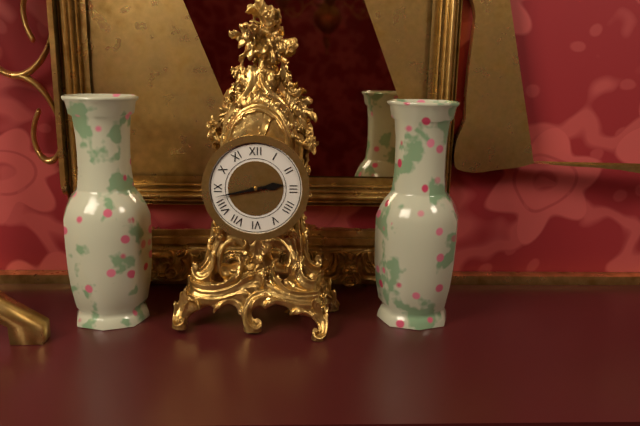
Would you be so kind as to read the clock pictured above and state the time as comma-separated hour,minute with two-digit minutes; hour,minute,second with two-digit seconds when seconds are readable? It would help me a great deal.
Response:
2,43
